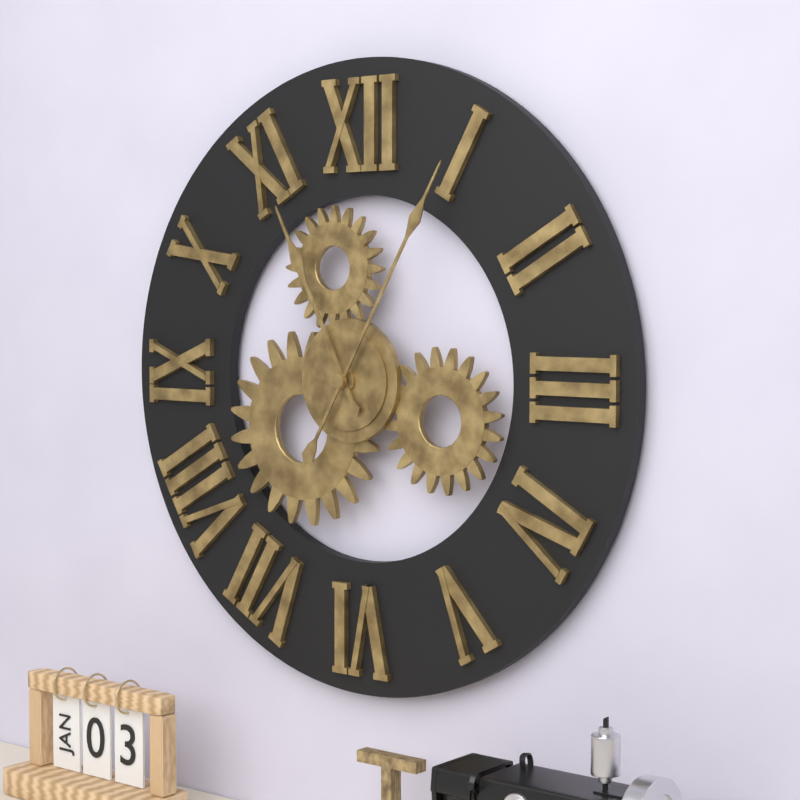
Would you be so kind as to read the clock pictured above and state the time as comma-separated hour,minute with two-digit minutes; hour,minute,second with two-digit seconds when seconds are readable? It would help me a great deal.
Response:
11,05
